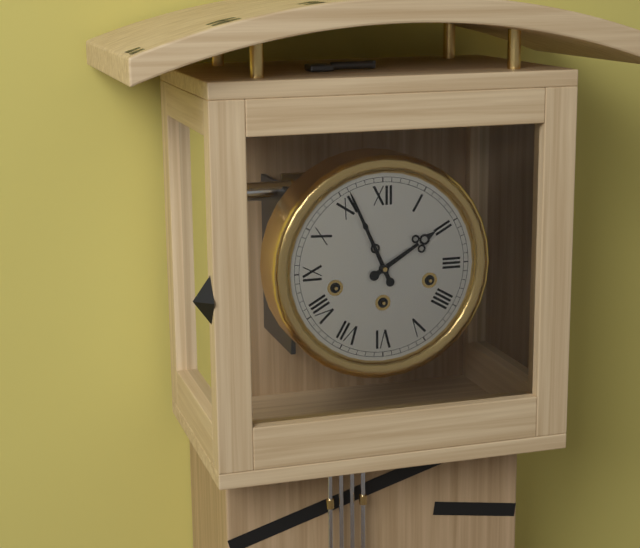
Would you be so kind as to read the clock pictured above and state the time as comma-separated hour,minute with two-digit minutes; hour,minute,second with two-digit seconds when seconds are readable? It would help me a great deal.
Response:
1,56
